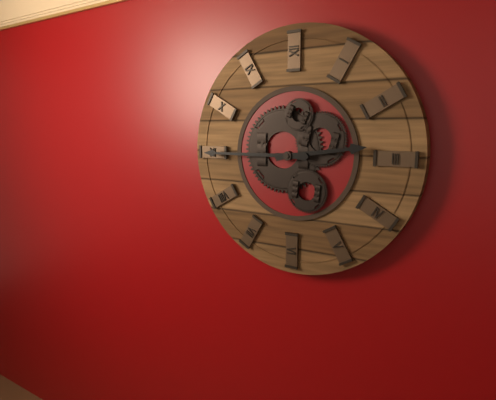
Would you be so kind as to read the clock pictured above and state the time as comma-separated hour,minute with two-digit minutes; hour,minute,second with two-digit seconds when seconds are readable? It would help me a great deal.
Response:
2,45
